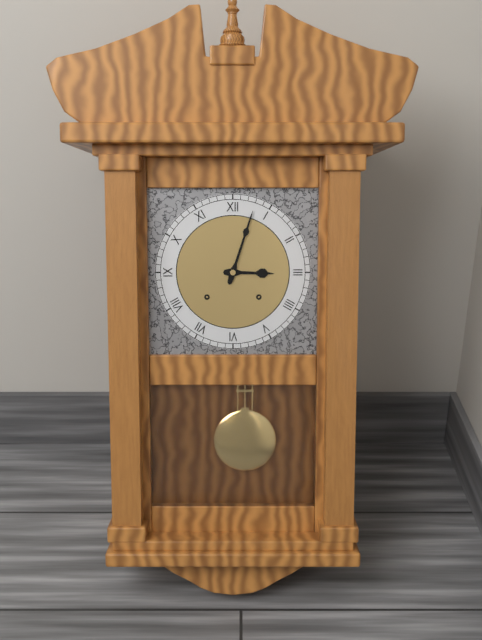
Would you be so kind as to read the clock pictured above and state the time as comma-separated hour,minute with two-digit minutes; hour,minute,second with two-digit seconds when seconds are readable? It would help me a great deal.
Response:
3,03
